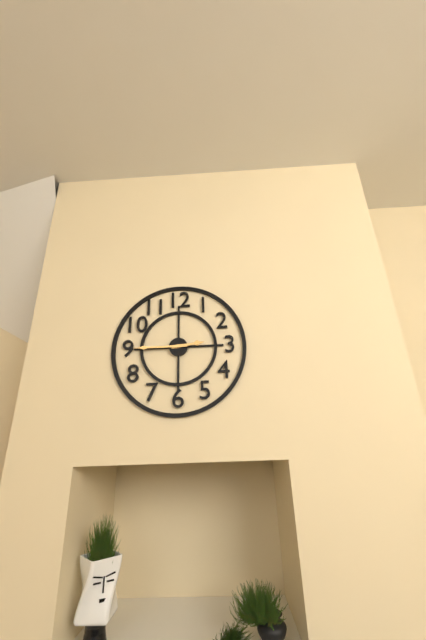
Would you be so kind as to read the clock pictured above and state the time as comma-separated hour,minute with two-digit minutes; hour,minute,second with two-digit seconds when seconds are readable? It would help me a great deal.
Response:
2,45
